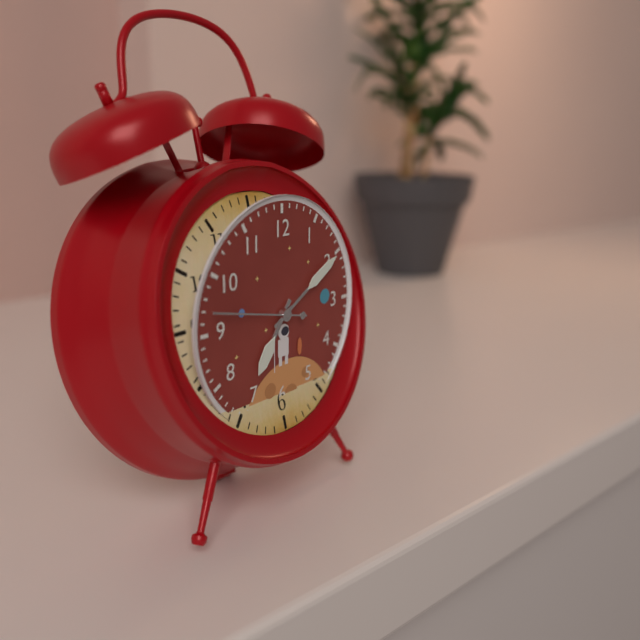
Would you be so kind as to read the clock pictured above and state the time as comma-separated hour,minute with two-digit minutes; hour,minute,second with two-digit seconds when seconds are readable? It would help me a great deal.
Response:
7,10,47
